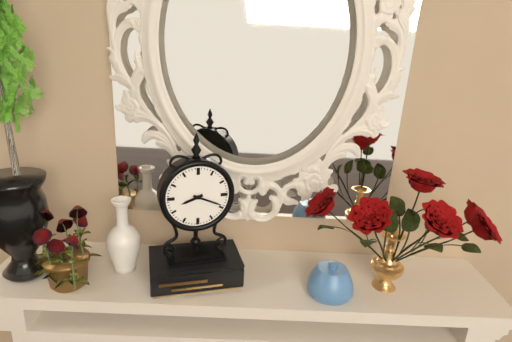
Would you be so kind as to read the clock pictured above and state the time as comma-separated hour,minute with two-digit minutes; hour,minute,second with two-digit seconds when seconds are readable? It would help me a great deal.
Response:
8,19
